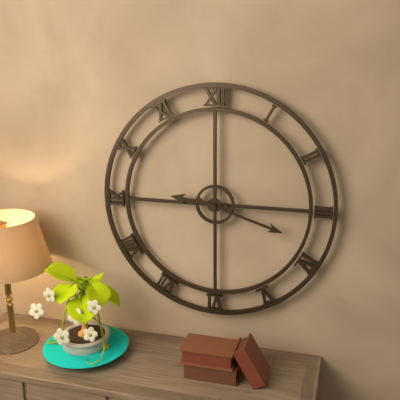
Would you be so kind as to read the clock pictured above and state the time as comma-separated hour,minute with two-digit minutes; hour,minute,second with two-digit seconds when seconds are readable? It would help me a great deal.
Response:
9,18
